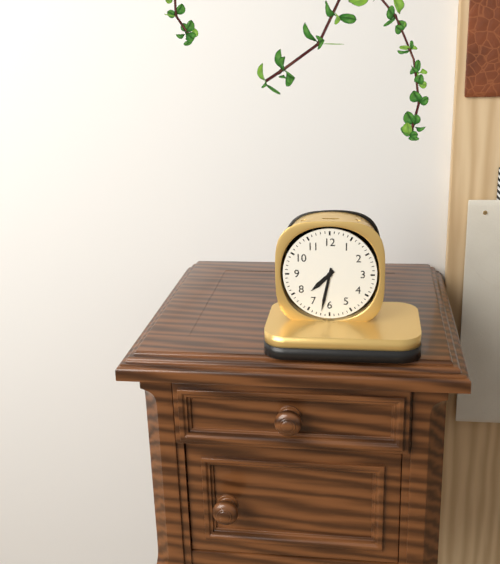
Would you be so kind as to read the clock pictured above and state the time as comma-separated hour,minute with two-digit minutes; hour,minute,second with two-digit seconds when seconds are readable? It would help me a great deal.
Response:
7,32
